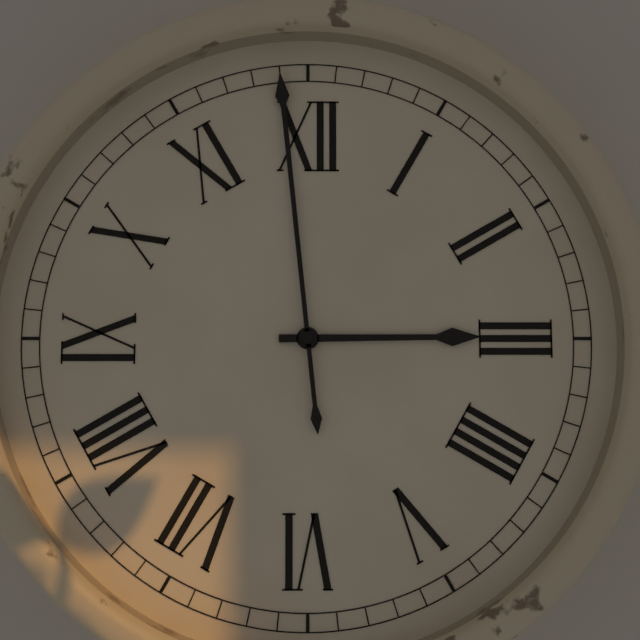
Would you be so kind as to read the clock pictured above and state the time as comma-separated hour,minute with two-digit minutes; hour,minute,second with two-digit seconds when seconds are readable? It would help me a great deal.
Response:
2,59
